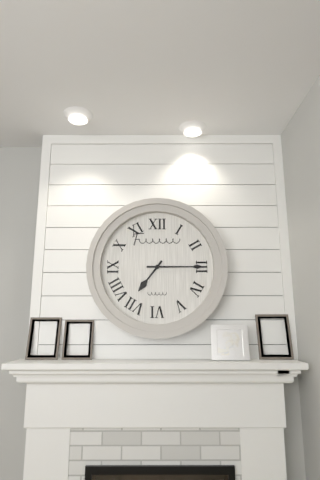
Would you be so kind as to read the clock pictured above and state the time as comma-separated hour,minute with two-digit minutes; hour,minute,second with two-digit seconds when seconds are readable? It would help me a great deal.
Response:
7,15
